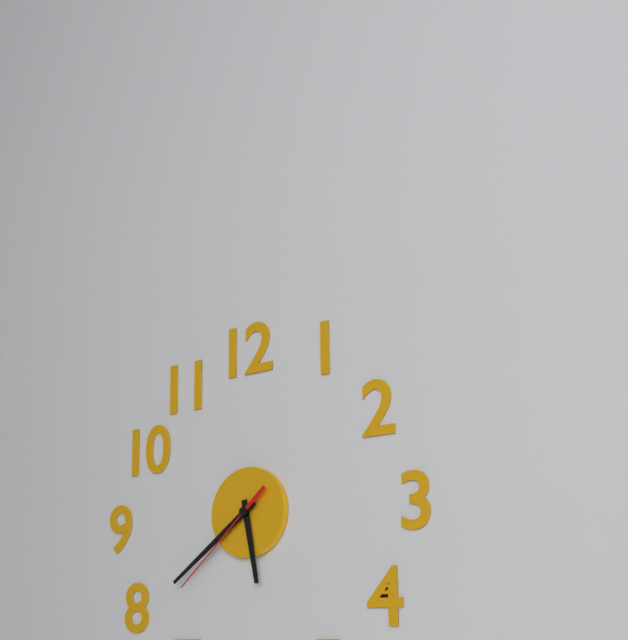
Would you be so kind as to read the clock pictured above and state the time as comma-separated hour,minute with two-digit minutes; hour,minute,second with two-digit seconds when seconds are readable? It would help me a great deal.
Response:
5,39,38
